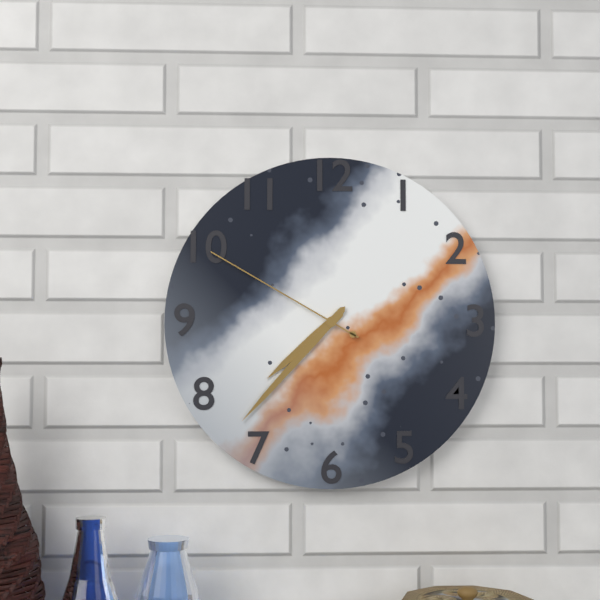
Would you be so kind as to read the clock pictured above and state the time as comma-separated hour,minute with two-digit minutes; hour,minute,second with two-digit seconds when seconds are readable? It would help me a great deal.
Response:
7,37,50
